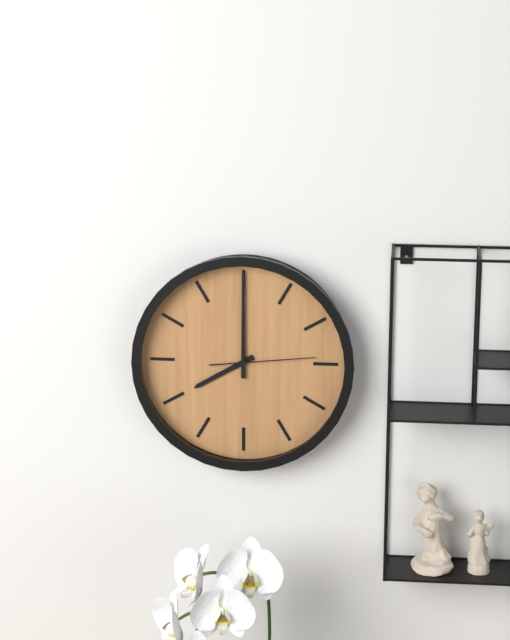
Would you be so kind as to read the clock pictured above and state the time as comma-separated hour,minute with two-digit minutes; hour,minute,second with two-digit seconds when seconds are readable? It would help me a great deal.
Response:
8,00,14
